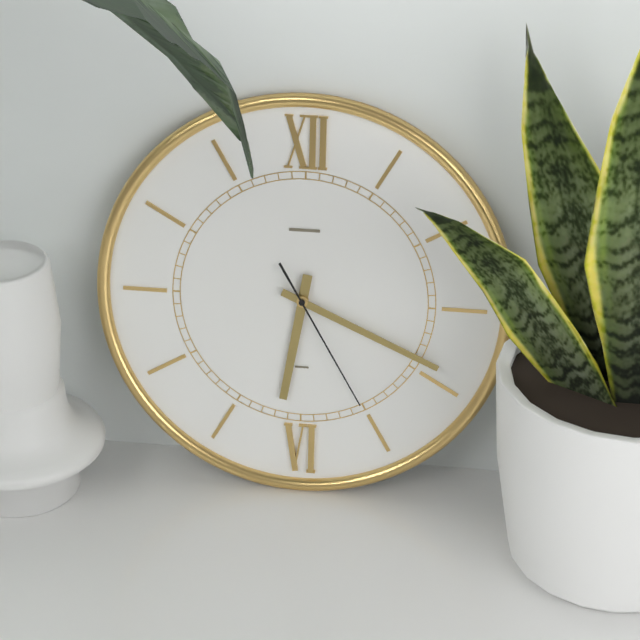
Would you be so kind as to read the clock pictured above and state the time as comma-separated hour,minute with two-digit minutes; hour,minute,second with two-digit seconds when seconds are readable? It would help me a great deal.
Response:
6,19,25
